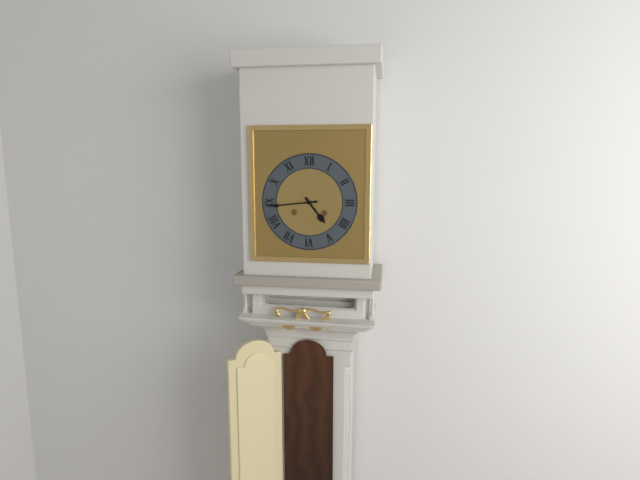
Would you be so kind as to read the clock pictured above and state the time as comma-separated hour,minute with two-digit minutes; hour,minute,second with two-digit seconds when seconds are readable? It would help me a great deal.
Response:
4,44
